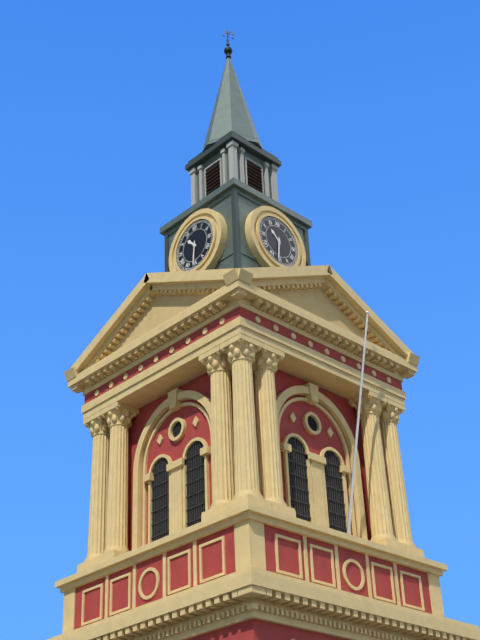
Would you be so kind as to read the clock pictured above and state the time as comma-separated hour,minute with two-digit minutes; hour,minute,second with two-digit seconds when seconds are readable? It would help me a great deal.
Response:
10,31
